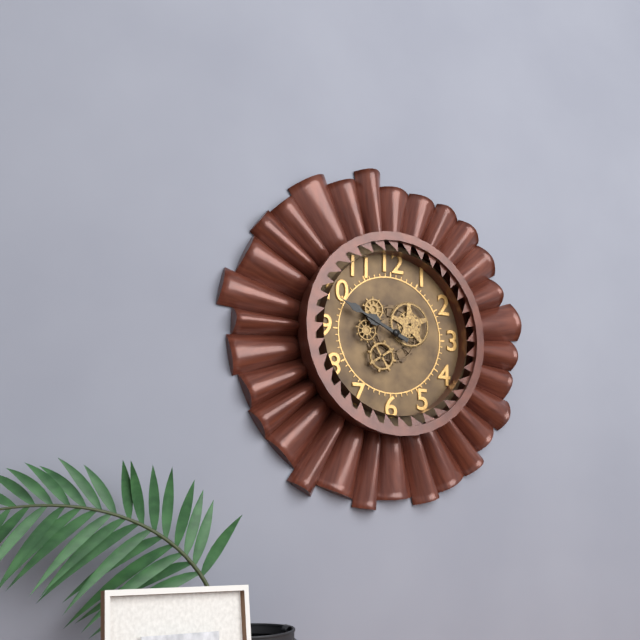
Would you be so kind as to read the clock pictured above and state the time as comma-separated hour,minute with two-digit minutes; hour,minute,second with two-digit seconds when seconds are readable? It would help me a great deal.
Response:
9,49
